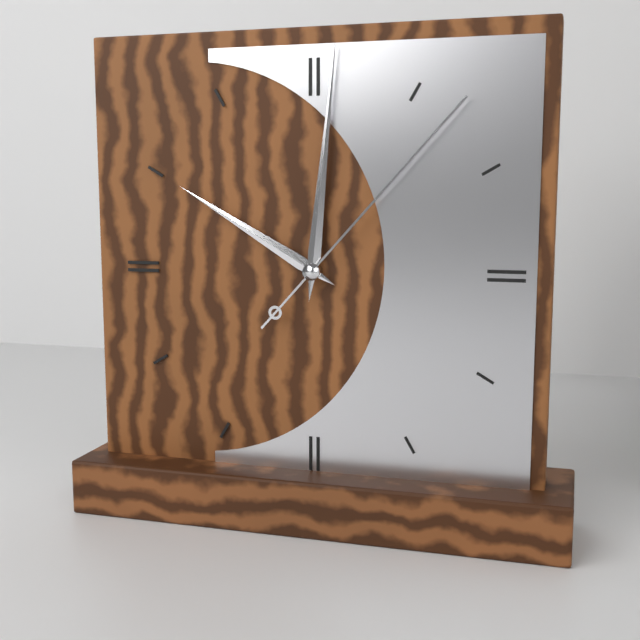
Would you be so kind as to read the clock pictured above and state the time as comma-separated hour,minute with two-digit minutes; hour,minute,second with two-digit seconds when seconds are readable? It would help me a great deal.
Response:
10,01,07
